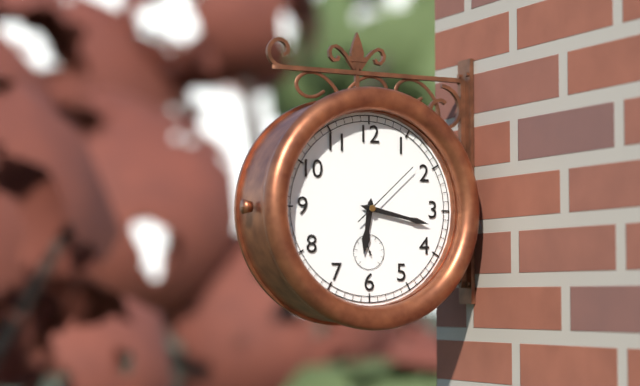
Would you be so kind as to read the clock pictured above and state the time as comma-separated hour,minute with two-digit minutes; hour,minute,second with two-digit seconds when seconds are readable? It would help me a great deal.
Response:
6,17,08
